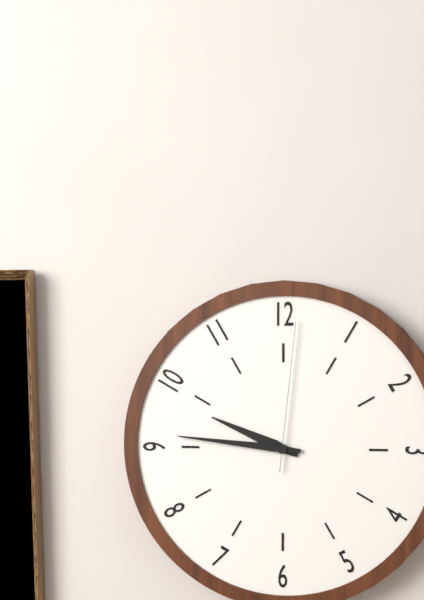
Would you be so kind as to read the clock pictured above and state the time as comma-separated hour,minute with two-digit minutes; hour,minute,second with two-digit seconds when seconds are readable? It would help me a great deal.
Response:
9,46,01
